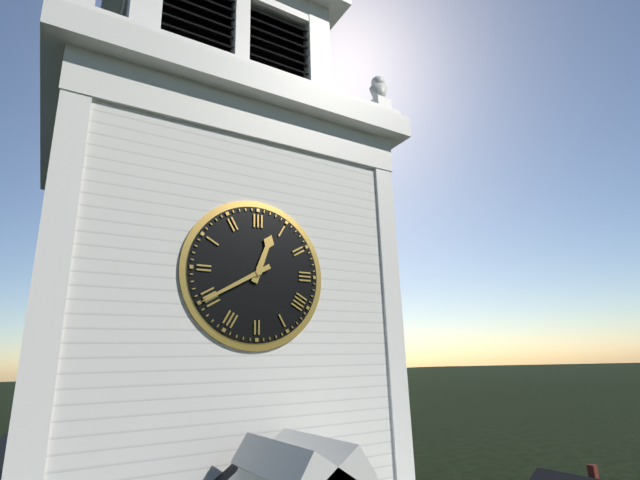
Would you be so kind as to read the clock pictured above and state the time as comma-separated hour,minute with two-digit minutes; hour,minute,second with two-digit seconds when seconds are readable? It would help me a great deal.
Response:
12,40
